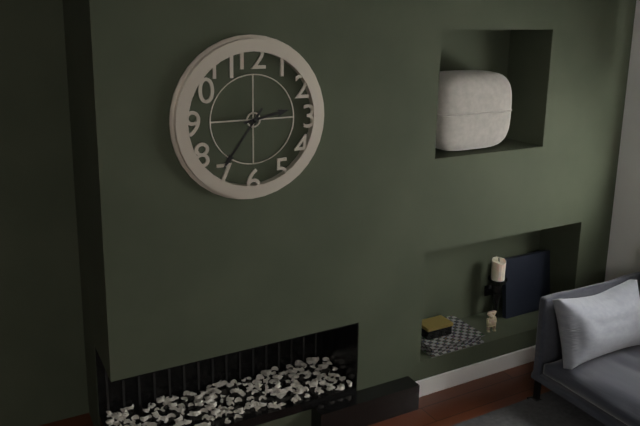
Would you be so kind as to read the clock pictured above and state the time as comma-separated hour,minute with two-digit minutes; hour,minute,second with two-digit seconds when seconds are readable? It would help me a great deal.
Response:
2,36
